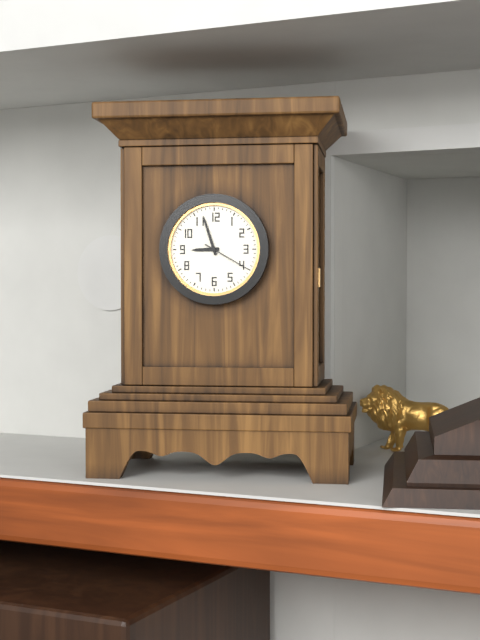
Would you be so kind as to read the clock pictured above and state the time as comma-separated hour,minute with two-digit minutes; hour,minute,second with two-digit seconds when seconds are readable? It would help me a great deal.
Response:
8,57
